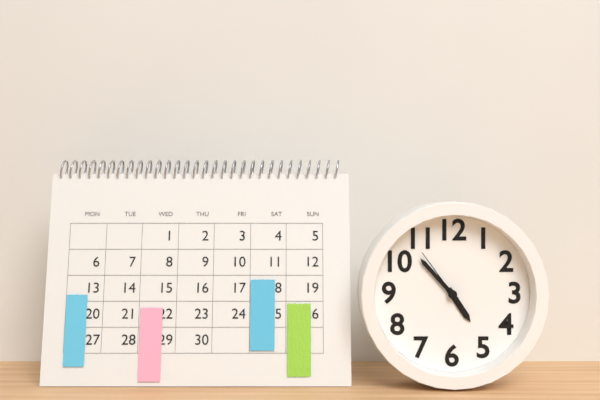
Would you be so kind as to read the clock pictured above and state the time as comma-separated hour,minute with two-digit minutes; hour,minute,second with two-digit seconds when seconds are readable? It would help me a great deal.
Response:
4,53,54
